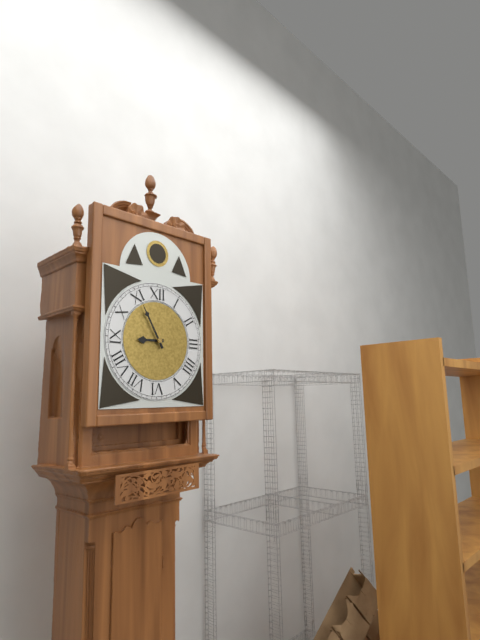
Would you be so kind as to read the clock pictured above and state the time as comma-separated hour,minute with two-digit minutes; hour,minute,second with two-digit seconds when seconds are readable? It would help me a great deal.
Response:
8,55
